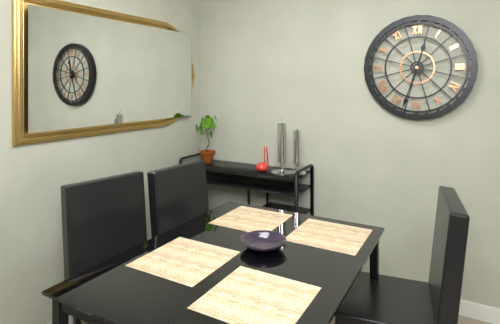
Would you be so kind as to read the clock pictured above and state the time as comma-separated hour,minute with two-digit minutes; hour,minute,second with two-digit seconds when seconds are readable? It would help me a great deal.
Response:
12,33
